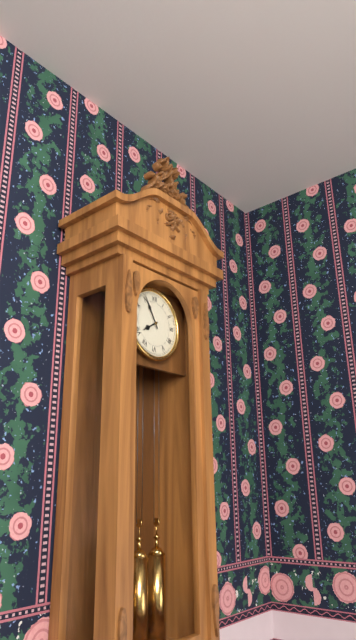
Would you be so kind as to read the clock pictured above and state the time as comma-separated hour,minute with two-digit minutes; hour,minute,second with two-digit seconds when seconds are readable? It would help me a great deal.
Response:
7,55
